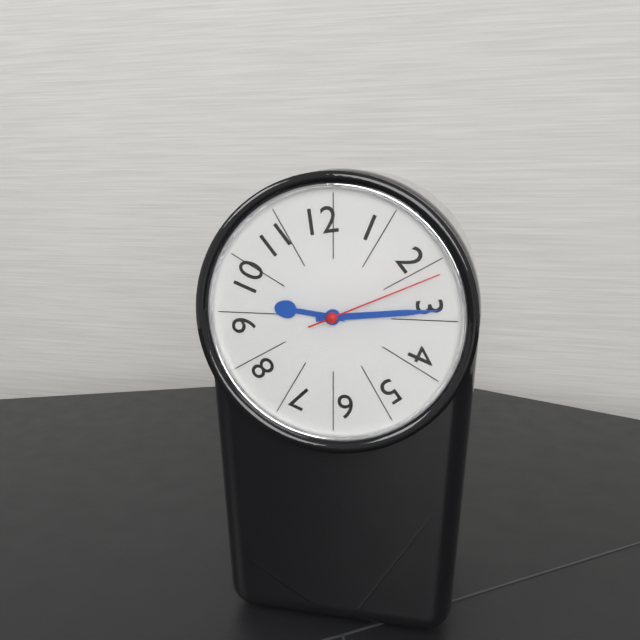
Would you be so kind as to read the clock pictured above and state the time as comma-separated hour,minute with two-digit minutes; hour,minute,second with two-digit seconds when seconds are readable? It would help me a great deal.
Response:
9,14,11
